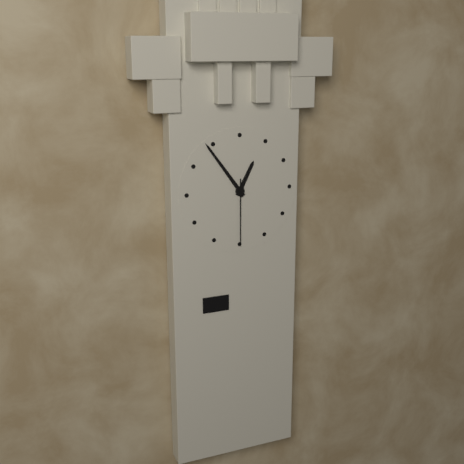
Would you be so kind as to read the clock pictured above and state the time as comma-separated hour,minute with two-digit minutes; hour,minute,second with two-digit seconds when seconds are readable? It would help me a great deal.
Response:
12,54,30
